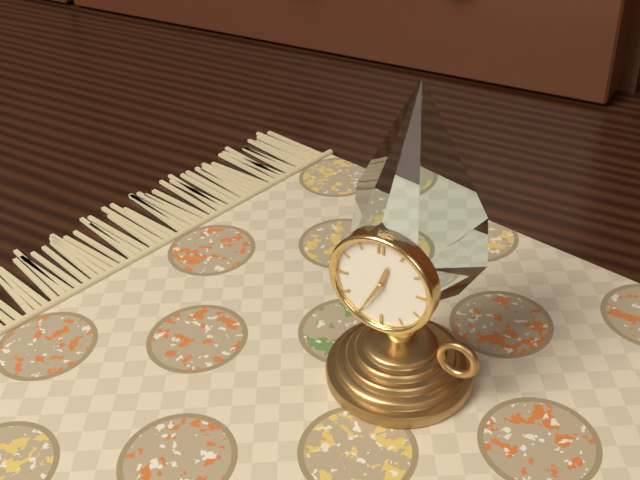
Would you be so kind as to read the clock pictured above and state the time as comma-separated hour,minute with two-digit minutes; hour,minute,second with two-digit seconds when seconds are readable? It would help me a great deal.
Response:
12,35
